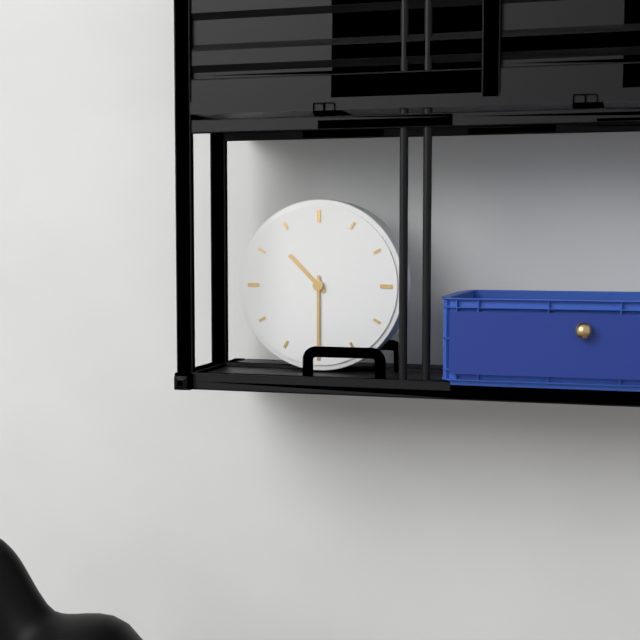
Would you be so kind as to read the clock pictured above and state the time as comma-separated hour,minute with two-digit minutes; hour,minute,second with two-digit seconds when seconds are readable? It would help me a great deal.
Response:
10,30
